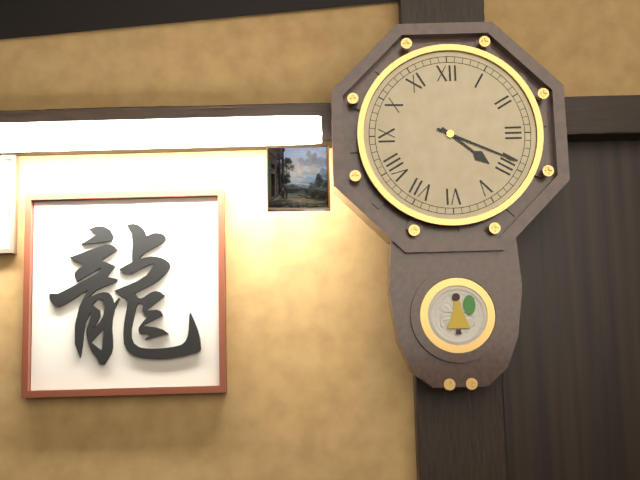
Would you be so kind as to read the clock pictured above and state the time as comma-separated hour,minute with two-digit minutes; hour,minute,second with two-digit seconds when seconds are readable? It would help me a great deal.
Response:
4,19
